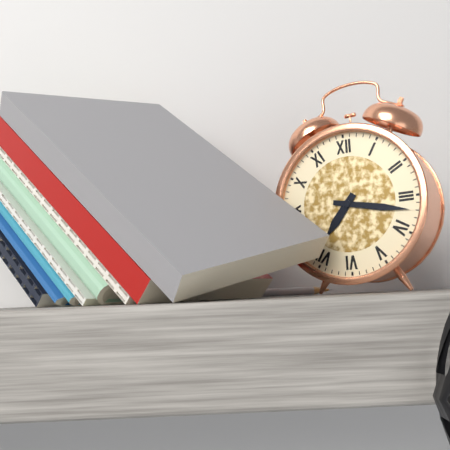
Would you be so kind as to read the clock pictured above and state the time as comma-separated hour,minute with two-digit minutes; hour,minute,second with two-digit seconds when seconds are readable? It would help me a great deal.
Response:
7,17
